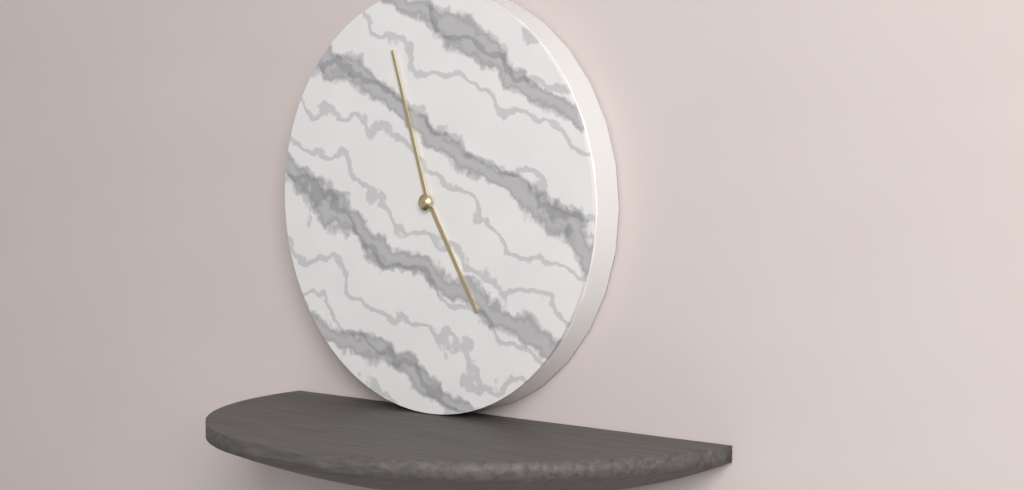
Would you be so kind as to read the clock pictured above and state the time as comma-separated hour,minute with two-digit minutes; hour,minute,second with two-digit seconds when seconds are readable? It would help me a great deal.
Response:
4,57
